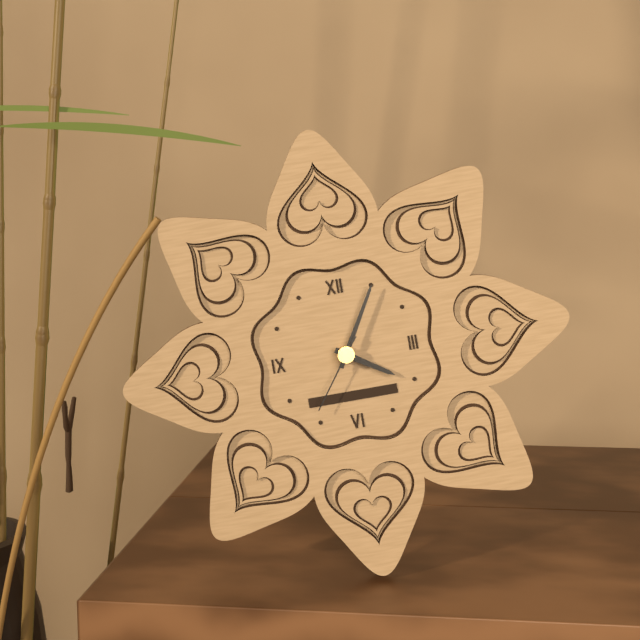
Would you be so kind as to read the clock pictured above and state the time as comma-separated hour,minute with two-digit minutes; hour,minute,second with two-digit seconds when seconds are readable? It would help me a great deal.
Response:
4,05,36
